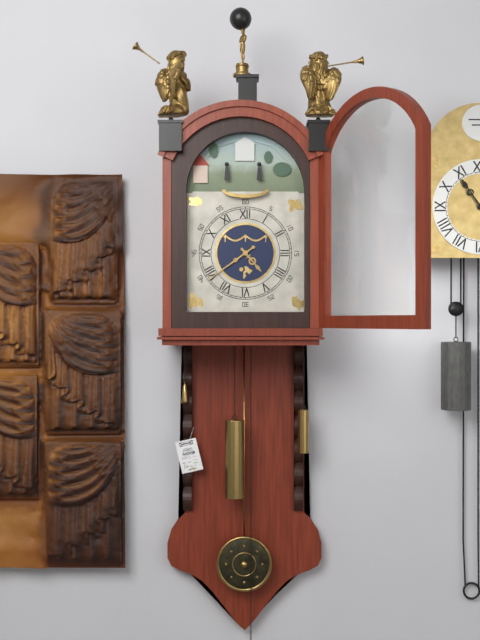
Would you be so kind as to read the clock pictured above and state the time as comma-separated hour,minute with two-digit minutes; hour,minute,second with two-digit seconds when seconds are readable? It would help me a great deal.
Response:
4,39
